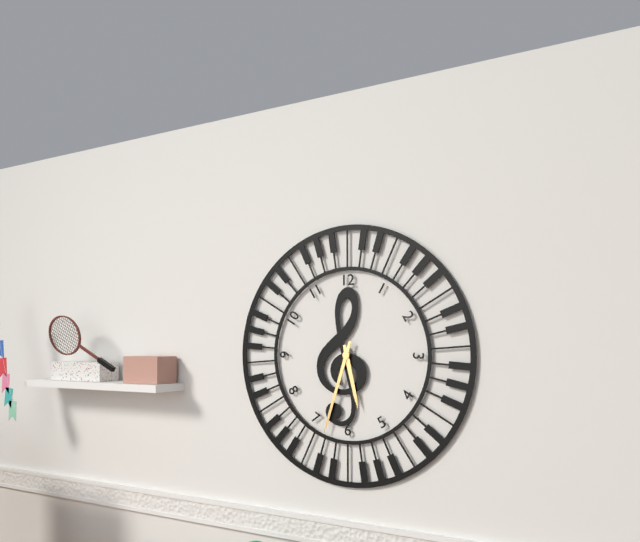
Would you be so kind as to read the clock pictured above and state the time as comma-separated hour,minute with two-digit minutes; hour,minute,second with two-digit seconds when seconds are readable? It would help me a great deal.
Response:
5,33
